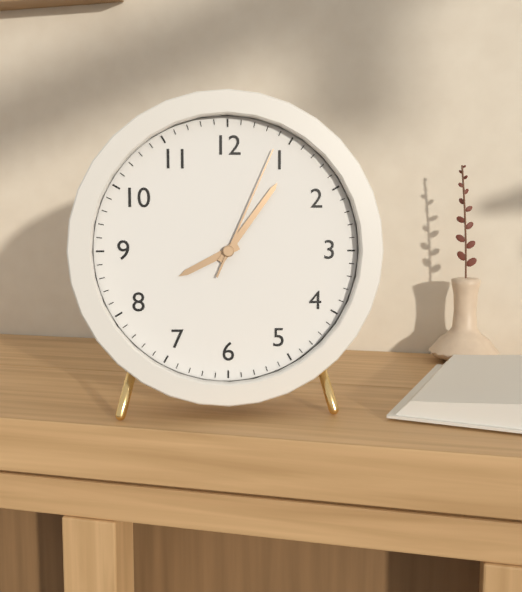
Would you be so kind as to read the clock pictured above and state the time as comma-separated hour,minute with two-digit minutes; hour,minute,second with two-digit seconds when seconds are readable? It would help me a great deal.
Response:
8,06,04
